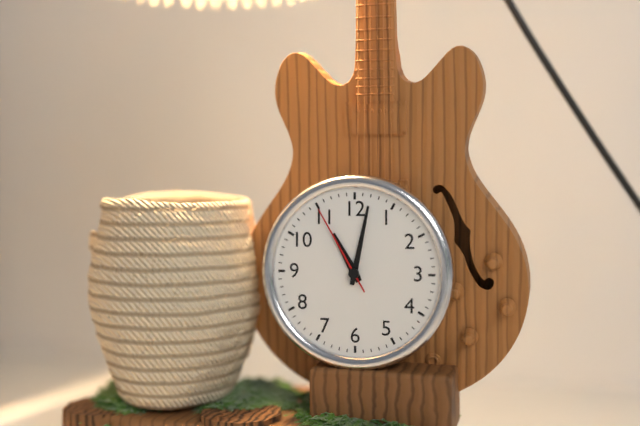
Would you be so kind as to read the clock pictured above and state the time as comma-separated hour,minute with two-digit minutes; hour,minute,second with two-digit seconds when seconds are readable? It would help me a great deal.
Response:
11,02,55
